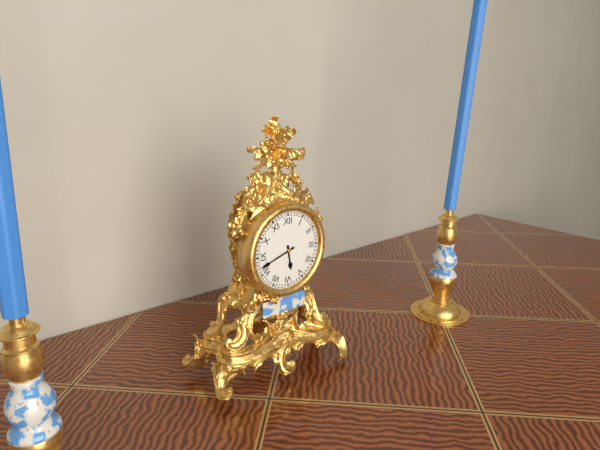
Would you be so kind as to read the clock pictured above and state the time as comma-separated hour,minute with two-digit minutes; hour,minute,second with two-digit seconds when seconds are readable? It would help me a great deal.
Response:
5,42
